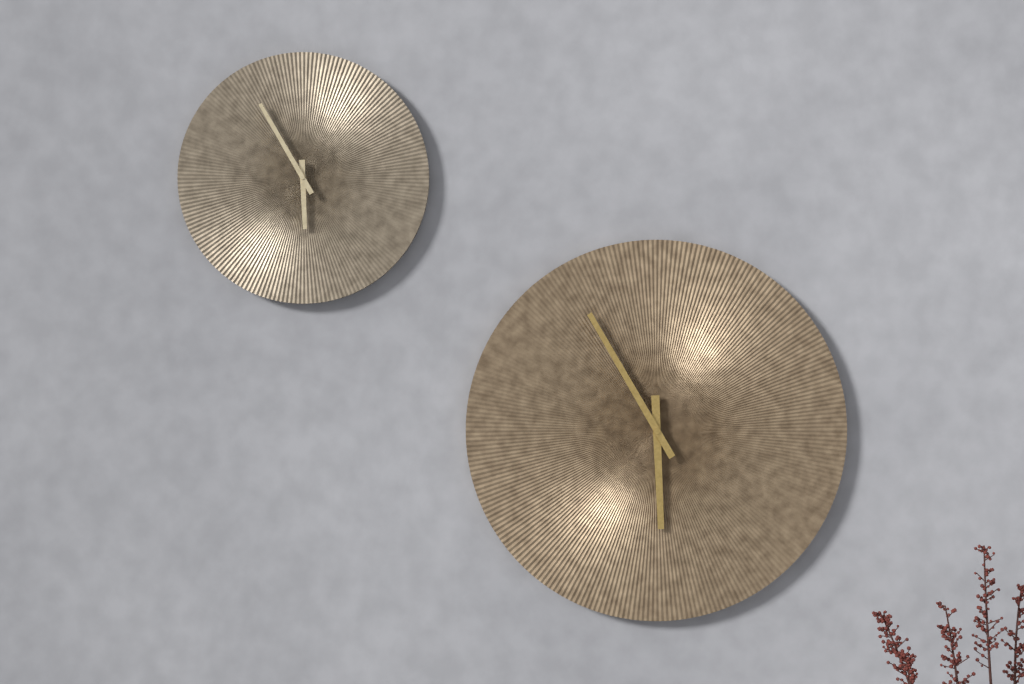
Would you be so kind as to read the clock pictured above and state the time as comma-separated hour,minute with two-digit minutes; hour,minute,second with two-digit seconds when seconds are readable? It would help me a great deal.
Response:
5,55
